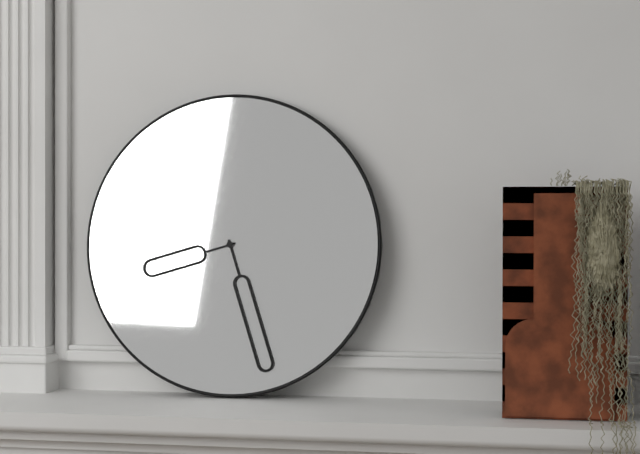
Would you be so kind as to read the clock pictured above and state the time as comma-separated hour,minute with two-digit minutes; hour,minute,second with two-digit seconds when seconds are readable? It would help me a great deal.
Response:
8,27
